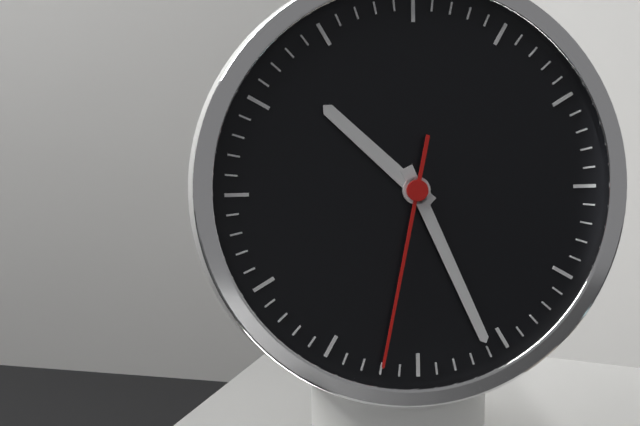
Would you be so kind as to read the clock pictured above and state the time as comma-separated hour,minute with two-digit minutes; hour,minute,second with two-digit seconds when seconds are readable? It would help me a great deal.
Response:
10,26,32
